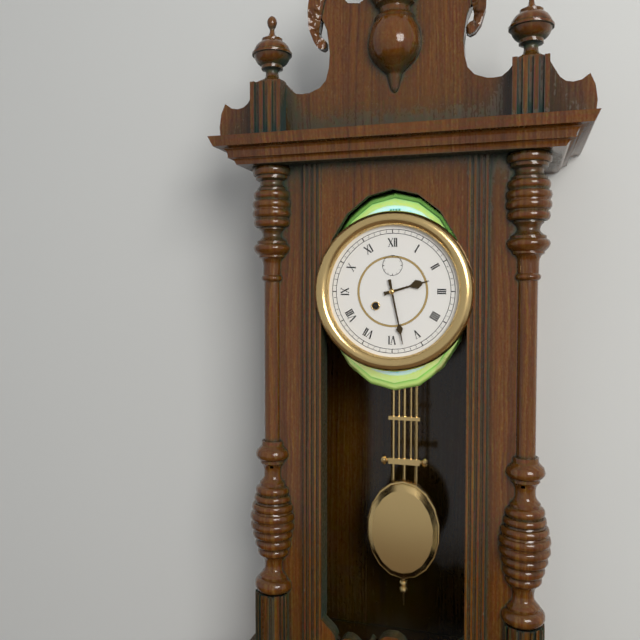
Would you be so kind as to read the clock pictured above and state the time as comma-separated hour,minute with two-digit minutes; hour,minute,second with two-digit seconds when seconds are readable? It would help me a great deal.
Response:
2,28
